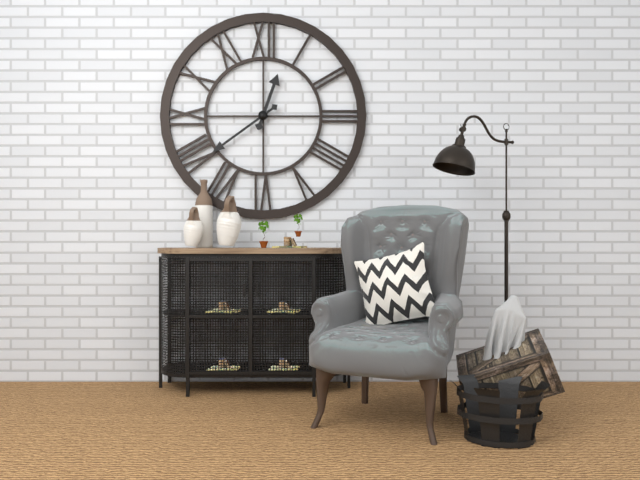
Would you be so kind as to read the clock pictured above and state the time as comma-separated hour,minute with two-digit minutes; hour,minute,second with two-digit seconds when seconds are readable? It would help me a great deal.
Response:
12,39
